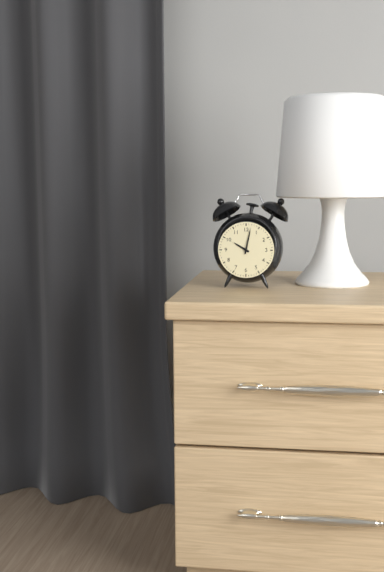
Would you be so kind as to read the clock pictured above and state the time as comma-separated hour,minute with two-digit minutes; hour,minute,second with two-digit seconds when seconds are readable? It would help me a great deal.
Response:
10,02
